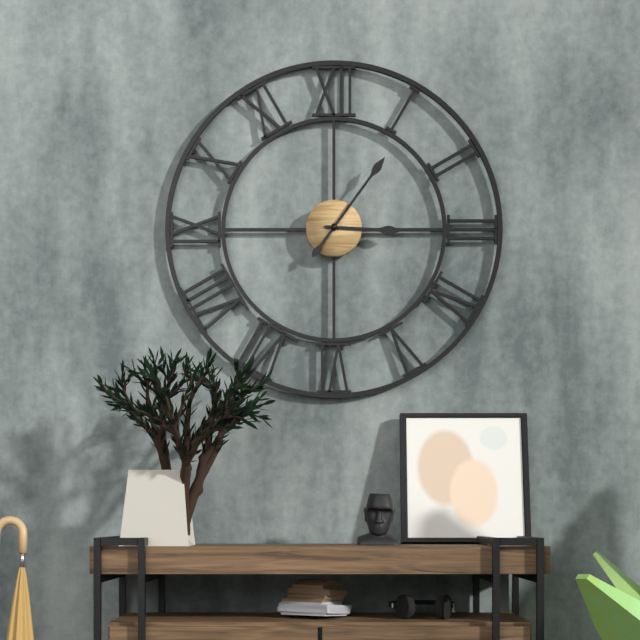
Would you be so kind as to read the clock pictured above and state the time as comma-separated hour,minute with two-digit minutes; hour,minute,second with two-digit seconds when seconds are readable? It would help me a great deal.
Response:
3,06
